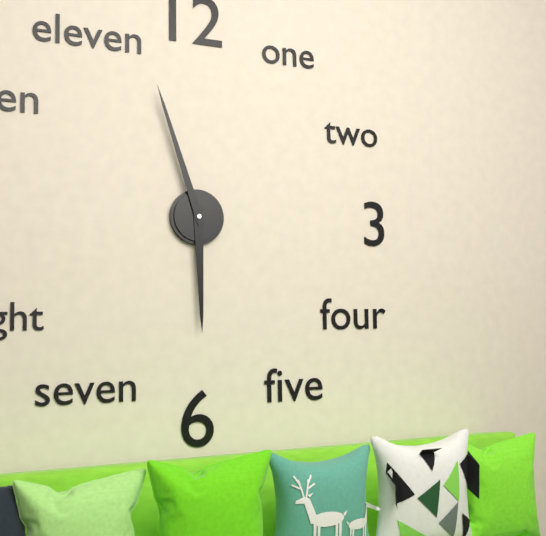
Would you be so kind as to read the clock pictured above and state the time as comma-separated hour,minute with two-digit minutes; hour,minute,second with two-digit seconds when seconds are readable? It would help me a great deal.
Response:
5,57
